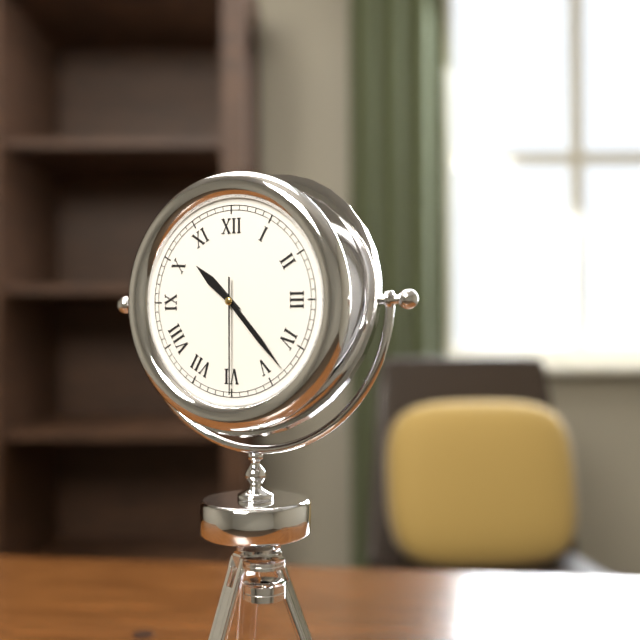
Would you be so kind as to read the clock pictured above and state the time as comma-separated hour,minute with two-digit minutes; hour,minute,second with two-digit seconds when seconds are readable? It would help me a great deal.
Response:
10,23,30
